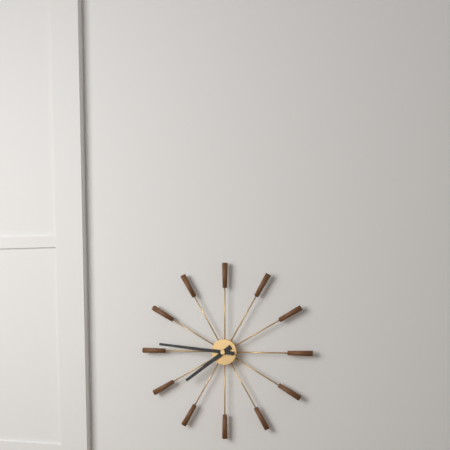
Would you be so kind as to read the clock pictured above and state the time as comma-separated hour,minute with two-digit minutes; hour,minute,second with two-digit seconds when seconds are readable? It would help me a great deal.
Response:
7,46
